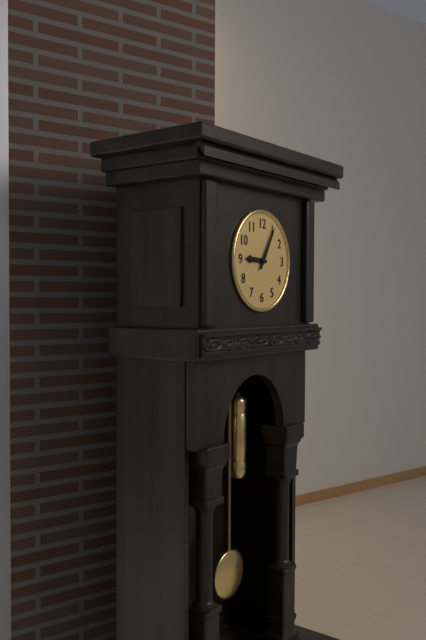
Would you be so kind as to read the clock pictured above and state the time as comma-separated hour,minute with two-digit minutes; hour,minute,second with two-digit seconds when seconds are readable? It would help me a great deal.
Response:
9,05
